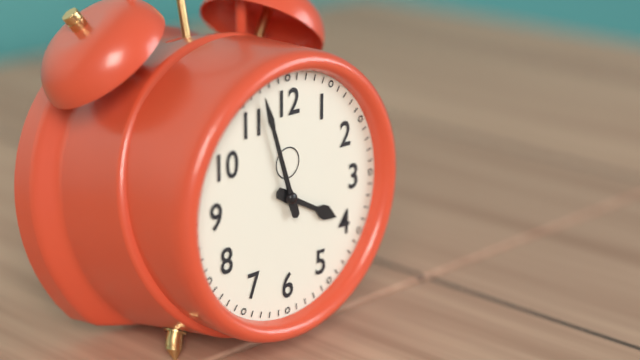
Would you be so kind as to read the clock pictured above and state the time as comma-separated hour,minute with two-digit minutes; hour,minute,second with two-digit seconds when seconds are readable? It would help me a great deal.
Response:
3,57
